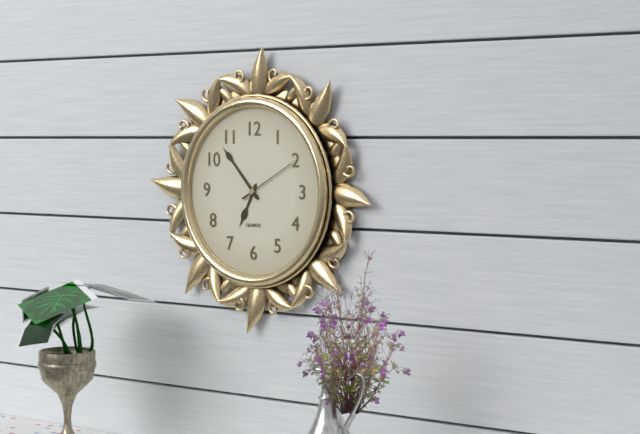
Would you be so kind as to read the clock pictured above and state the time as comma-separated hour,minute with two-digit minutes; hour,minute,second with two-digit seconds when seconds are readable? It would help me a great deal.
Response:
6,53,10
